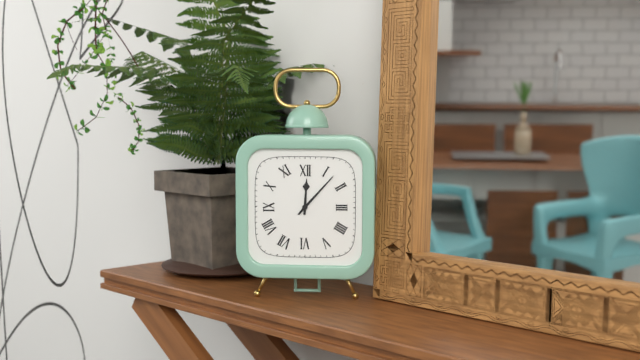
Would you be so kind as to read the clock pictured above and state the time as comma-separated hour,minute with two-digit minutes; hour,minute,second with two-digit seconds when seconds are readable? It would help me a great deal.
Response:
12,07
